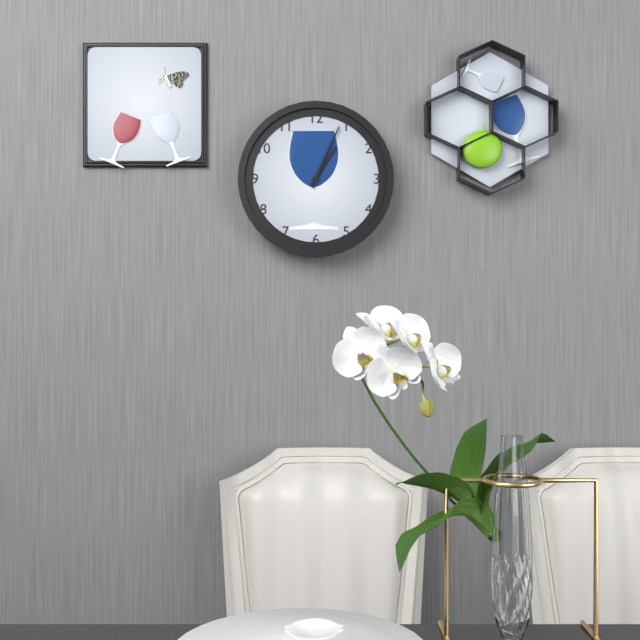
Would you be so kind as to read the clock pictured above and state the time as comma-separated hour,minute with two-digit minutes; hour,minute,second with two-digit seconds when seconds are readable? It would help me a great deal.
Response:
1,04
